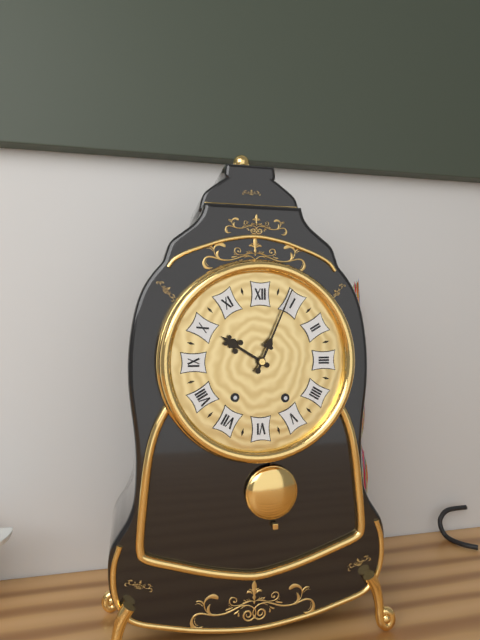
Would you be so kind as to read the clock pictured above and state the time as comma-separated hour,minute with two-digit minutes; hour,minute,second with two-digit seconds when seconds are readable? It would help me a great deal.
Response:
10,04
